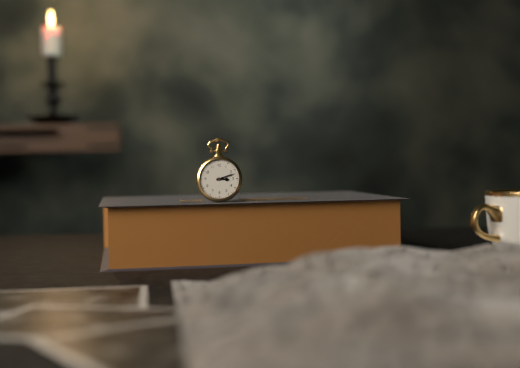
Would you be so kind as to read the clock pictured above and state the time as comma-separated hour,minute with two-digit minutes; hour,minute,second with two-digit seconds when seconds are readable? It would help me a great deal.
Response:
3,12
